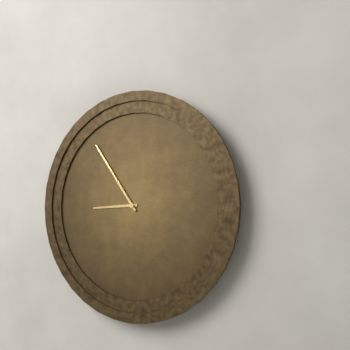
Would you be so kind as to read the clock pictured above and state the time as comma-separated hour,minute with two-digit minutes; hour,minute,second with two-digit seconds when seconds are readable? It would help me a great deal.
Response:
8,54
